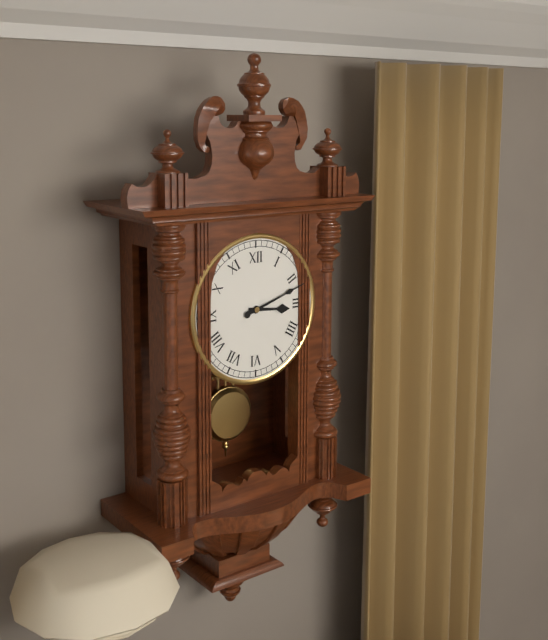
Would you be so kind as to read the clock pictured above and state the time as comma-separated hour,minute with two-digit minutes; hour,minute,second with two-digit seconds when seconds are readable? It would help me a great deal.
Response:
3,12
